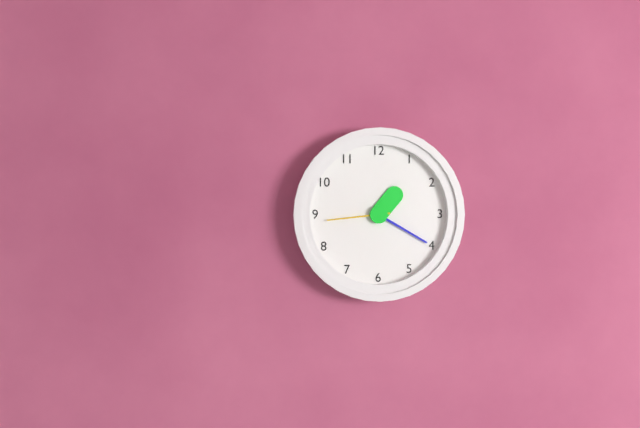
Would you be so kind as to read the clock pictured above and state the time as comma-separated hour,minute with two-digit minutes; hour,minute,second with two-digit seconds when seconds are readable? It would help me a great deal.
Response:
1,20,44
